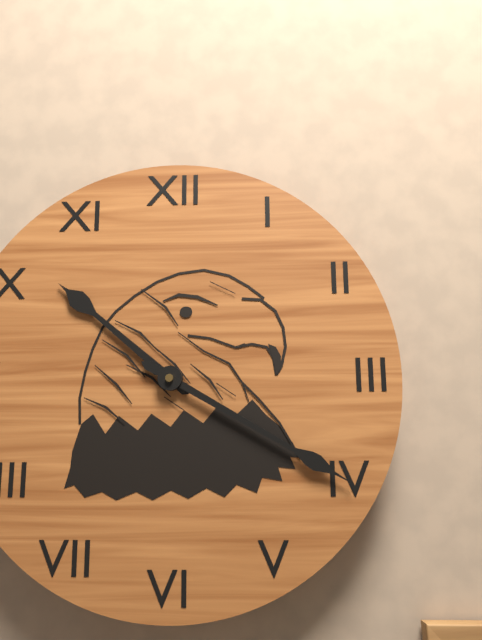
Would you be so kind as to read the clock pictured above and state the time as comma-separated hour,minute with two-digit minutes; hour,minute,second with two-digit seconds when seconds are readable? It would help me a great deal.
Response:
10,20
